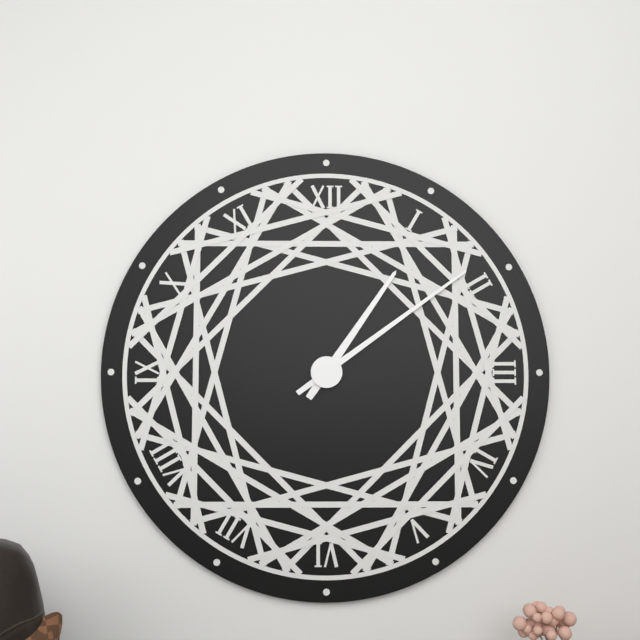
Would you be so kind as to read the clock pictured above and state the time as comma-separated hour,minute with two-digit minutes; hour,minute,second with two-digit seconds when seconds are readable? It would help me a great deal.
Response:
1,09
